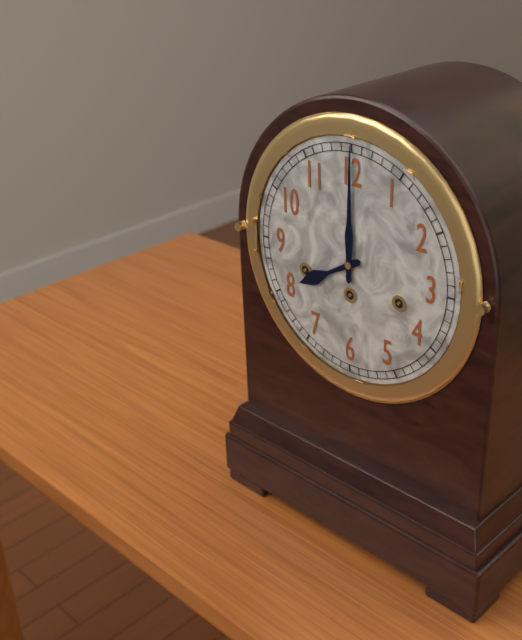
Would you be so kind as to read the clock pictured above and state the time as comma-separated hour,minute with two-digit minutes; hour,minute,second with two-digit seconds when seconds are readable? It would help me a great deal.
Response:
8,00
